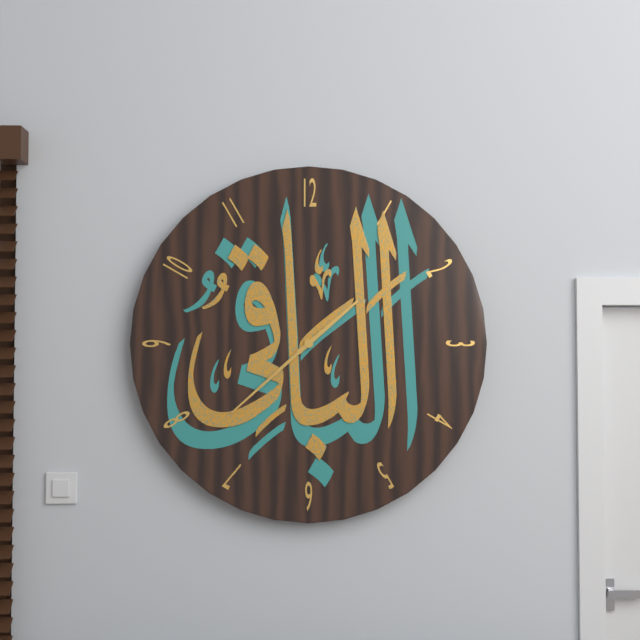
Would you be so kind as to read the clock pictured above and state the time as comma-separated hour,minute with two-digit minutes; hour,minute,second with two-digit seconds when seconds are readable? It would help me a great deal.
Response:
1,38
